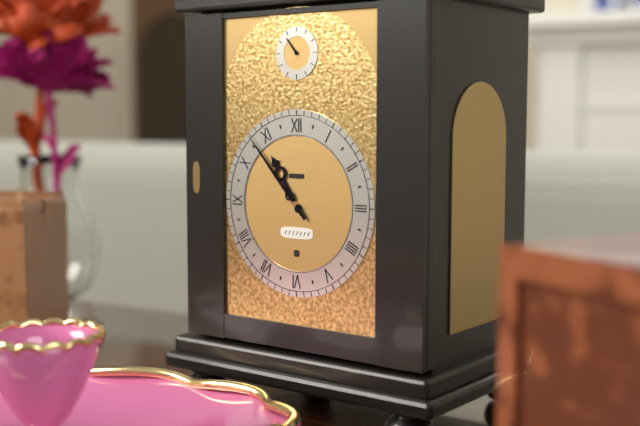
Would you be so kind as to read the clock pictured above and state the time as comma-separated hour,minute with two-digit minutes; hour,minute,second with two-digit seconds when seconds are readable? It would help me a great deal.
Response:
10,53
